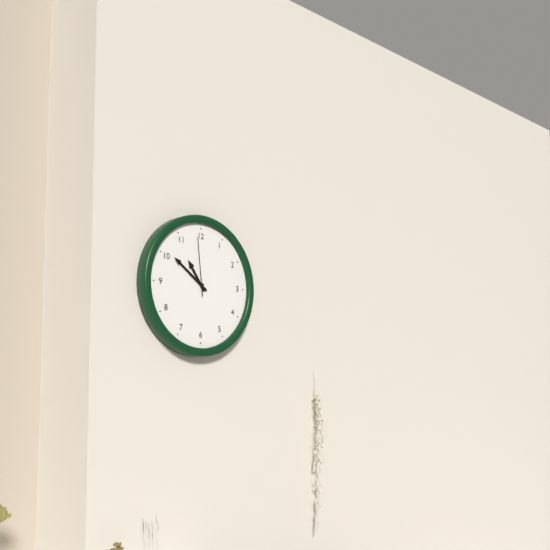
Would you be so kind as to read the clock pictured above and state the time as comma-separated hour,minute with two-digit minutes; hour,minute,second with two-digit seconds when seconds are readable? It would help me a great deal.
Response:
10,51,59
